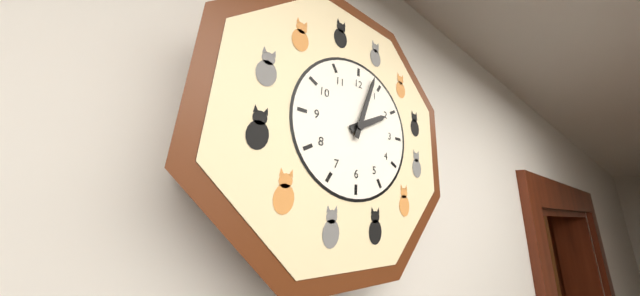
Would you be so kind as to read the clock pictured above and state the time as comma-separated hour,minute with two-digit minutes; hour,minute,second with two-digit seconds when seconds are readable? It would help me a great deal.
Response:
2,03
